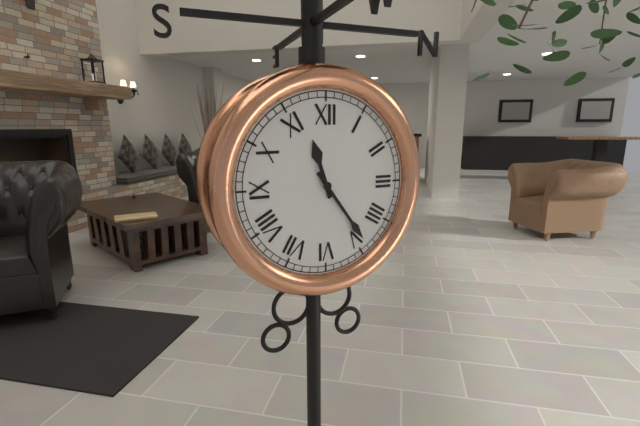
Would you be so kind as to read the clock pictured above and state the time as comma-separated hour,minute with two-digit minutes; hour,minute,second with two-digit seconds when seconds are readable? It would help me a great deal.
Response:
11,24
